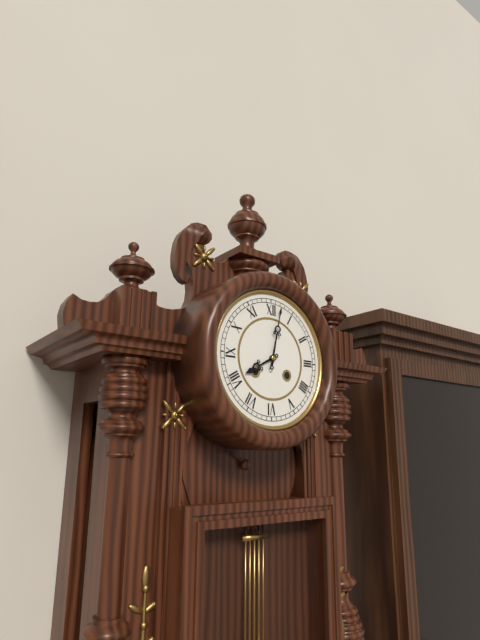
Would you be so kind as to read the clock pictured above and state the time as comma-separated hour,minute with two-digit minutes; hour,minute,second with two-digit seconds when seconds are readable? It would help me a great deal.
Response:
8,02
